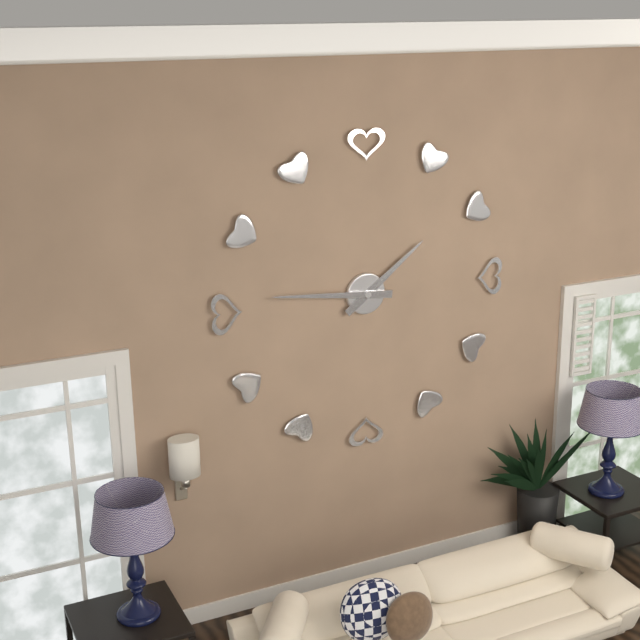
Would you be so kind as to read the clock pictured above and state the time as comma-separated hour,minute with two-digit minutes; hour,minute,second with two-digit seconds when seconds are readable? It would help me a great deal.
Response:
1,46
